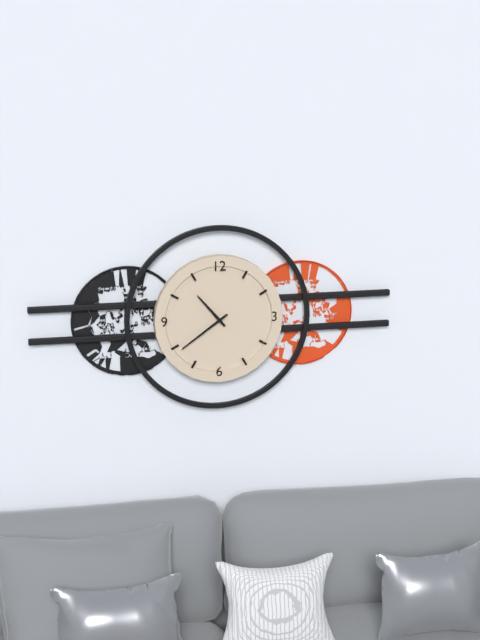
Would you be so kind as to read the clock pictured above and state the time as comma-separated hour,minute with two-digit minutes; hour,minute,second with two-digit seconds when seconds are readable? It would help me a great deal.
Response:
10,39
